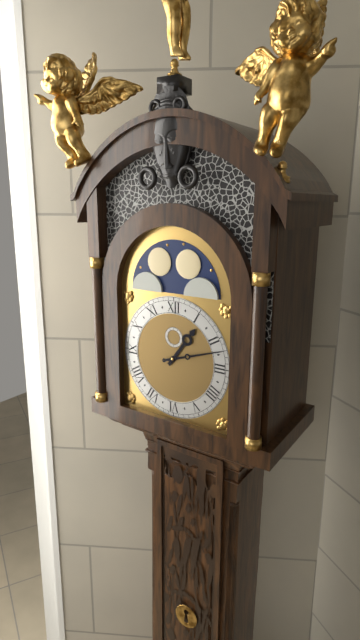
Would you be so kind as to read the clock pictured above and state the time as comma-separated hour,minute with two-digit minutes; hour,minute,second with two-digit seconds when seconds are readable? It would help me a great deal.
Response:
1,12
